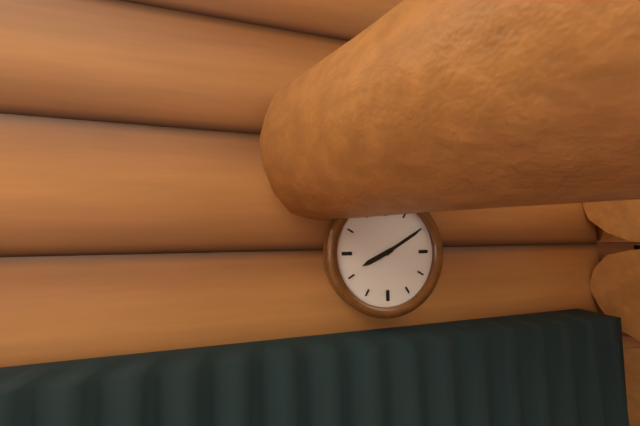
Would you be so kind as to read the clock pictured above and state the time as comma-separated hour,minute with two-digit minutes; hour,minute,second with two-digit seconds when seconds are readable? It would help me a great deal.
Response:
8,10
